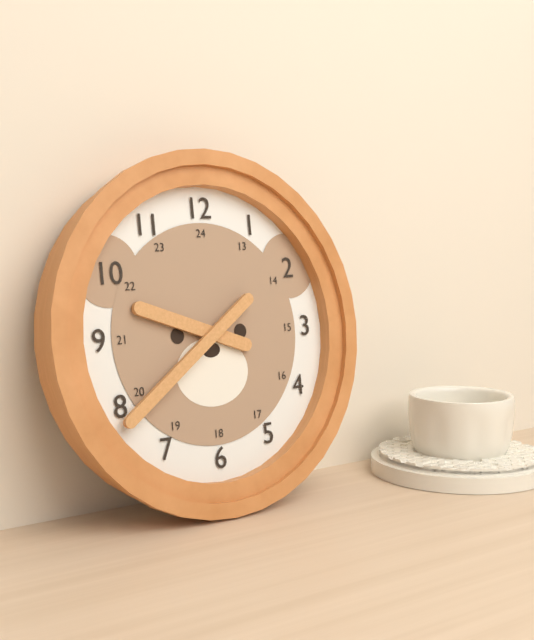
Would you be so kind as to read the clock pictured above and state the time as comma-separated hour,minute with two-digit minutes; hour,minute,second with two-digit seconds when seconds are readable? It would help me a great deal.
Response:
9,39
